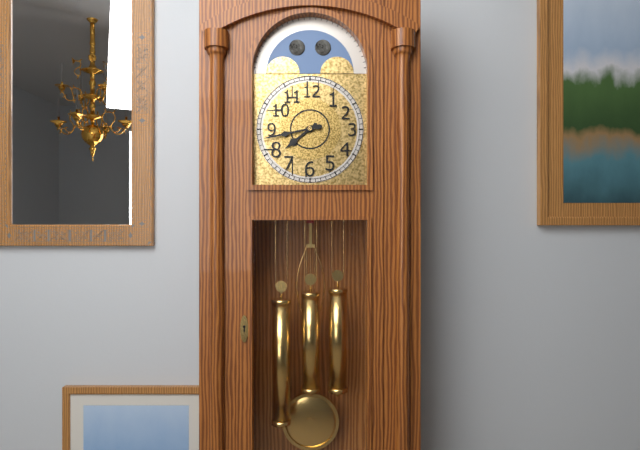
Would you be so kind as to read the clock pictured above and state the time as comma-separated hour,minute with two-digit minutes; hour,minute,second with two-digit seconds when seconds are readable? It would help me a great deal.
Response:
7,43
